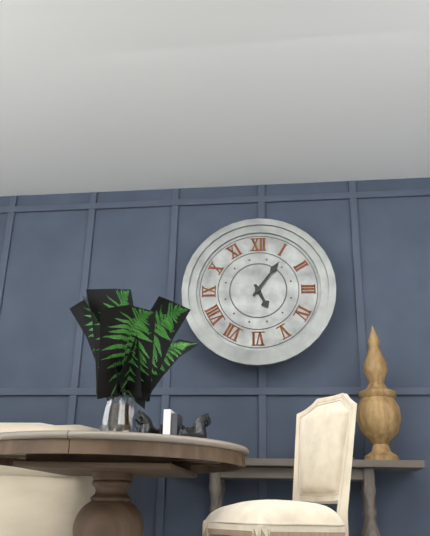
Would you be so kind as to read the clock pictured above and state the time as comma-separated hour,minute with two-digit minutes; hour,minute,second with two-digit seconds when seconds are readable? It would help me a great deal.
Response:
5,06
